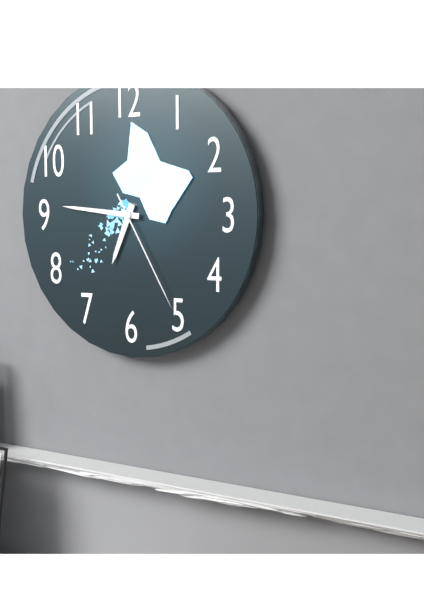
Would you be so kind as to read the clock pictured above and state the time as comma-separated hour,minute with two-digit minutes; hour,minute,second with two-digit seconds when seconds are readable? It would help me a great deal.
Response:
6,46,25
